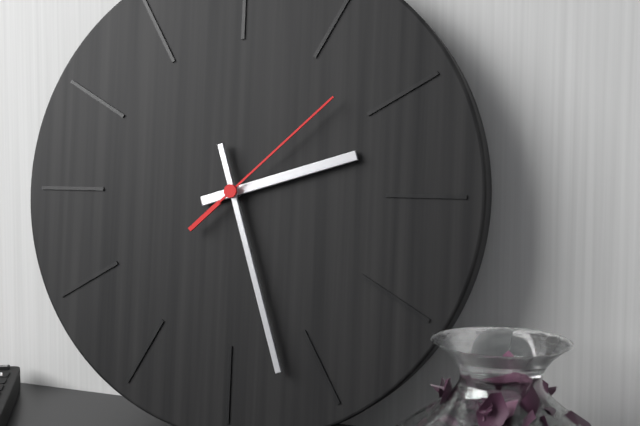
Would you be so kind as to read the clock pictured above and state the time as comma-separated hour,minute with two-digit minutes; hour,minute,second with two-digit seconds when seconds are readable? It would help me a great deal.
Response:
2,27,08
